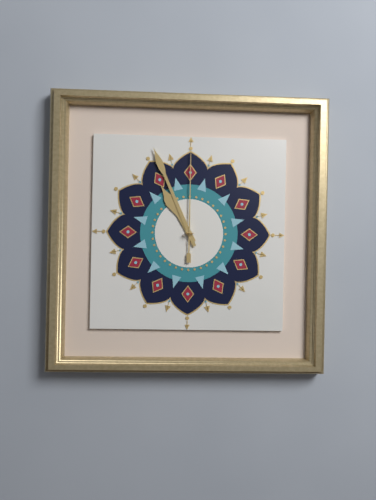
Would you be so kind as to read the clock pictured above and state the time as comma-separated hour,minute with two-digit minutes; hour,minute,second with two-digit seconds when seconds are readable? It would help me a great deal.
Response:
10,56,00
